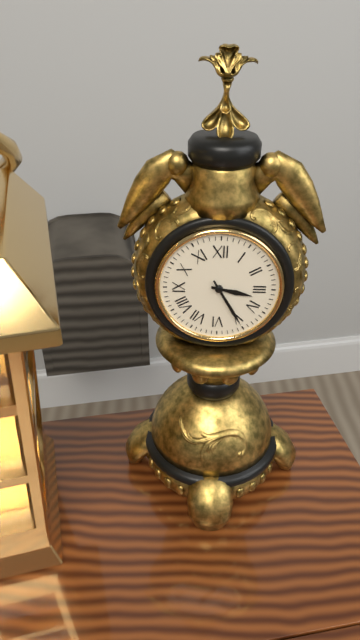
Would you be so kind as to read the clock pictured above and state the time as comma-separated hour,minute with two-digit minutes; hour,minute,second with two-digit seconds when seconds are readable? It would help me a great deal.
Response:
3,25
